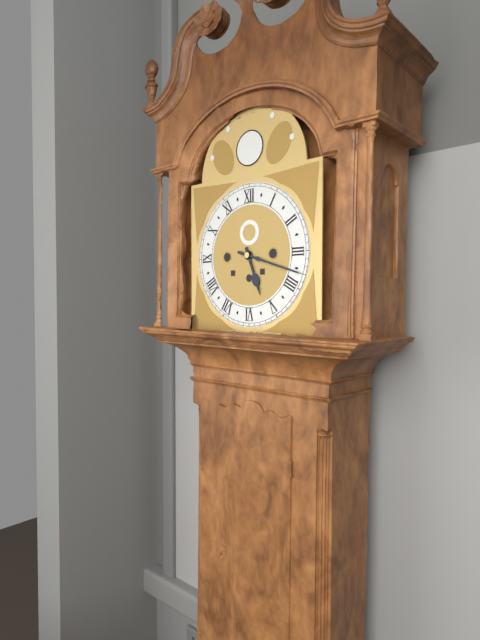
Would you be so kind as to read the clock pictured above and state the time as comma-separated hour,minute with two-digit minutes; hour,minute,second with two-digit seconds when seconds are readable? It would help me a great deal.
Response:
5,18
